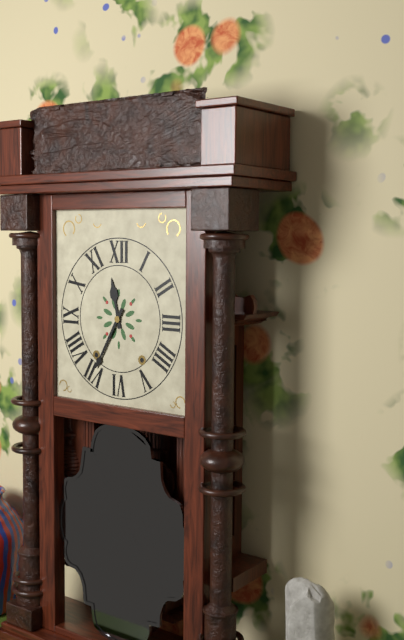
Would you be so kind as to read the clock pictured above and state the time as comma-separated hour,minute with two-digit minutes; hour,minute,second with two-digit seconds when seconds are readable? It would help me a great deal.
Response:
11,35
